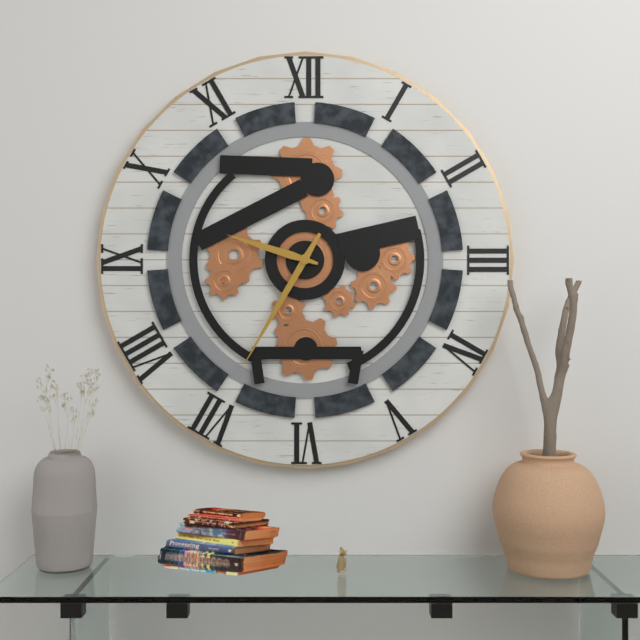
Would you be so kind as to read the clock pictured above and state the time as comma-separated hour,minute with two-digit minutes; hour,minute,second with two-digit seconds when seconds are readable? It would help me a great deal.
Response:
9,35
